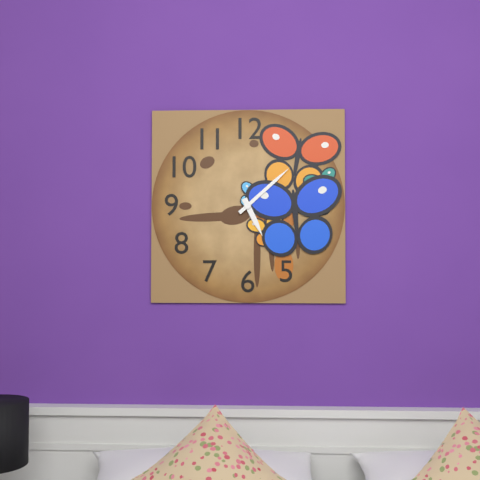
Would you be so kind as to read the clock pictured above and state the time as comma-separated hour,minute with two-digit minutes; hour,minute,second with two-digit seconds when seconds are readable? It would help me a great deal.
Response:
5,08
